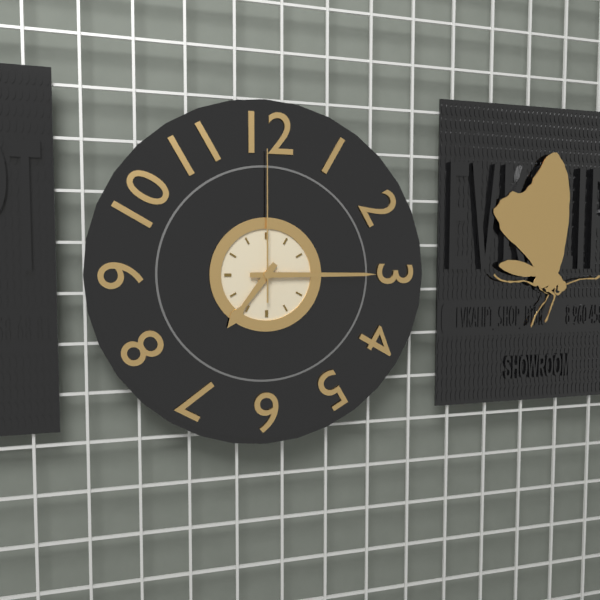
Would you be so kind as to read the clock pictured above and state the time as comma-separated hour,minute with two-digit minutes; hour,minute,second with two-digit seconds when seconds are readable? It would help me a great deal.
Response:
7,15,00
